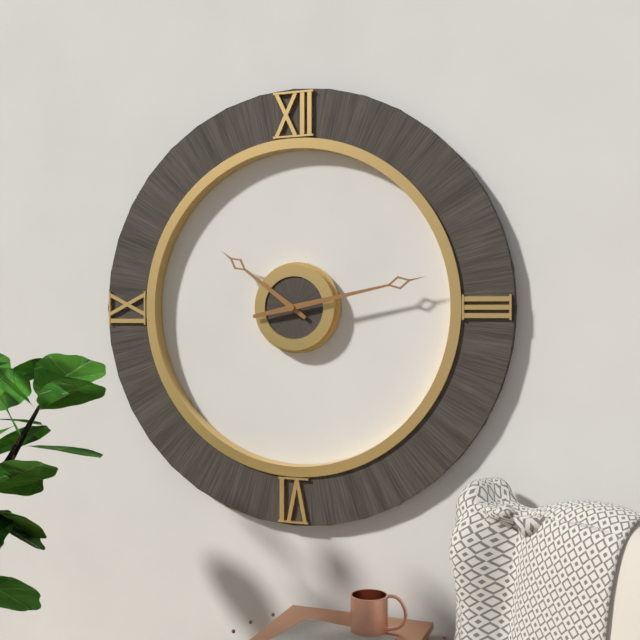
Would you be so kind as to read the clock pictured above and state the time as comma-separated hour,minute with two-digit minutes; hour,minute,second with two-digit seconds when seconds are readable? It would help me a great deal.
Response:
10,13
